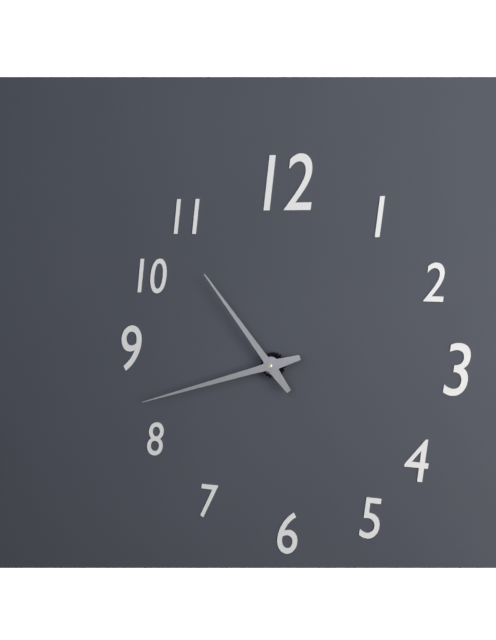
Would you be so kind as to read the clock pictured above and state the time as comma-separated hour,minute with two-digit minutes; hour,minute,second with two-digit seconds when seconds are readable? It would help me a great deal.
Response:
10,42
